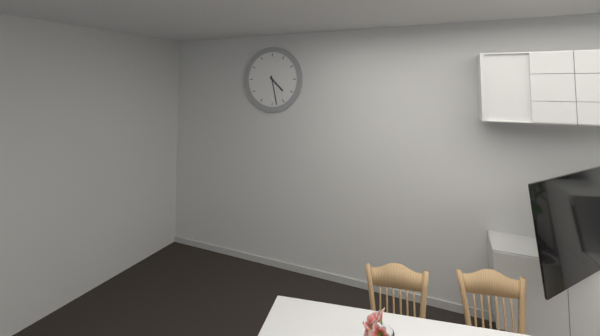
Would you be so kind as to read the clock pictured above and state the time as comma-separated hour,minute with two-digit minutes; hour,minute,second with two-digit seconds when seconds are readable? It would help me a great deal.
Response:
4,28
